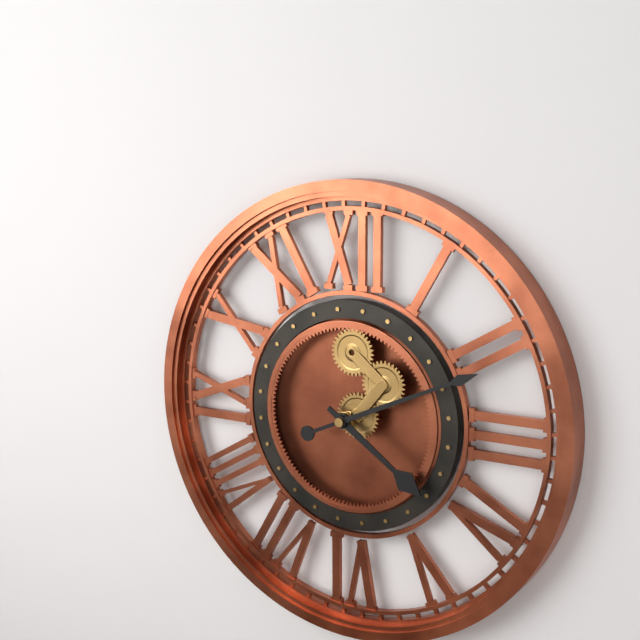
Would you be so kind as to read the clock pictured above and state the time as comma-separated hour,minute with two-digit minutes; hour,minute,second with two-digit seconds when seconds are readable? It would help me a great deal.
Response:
4,11
